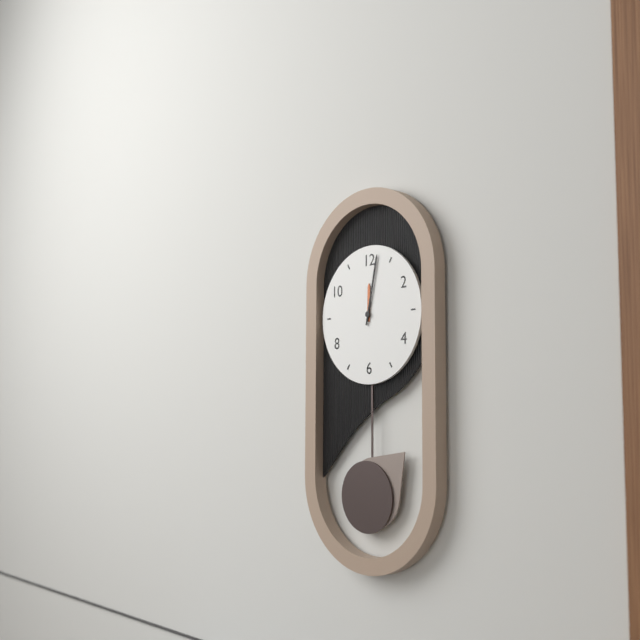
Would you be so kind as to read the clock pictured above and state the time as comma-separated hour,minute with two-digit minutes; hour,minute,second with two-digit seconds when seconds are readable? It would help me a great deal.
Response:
12,02
